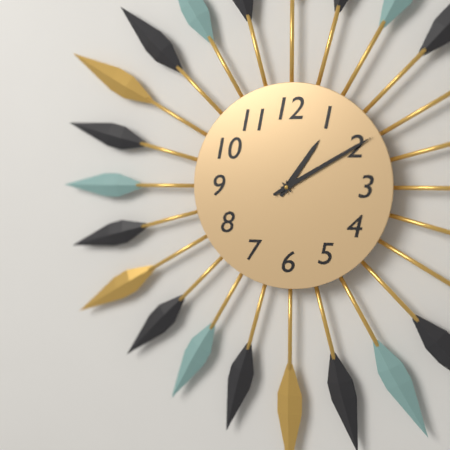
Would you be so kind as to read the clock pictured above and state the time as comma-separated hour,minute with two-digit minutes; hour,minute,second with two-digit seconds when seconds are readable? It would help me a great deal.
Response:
1,10
